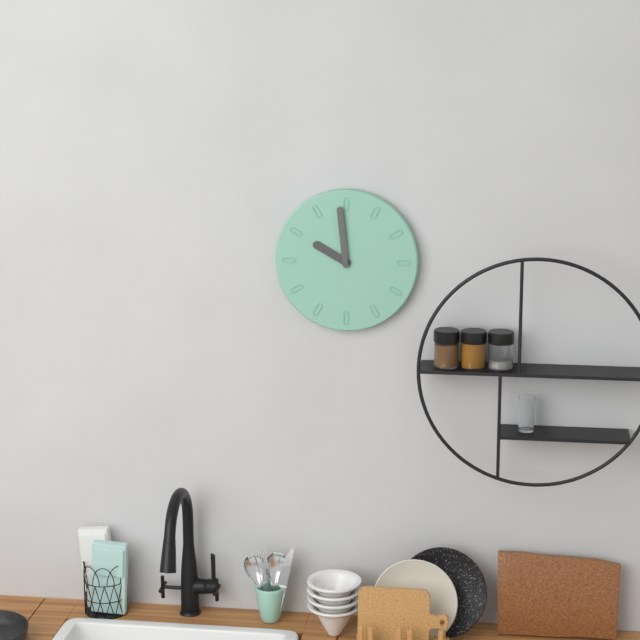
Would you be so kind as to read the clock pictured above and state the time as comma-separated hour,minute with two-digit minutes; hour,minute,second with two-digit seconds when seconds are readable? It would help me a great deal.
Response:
9,59
